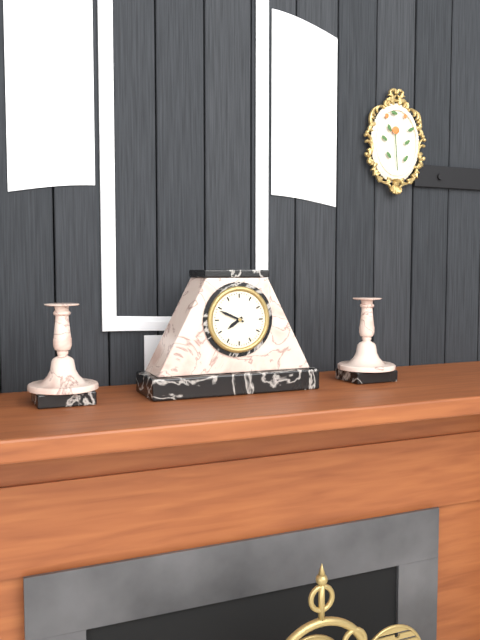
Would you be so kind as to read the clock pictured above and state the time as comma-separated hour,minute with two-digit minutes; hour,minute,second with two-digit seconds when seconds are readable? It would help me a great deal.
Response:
7,49
